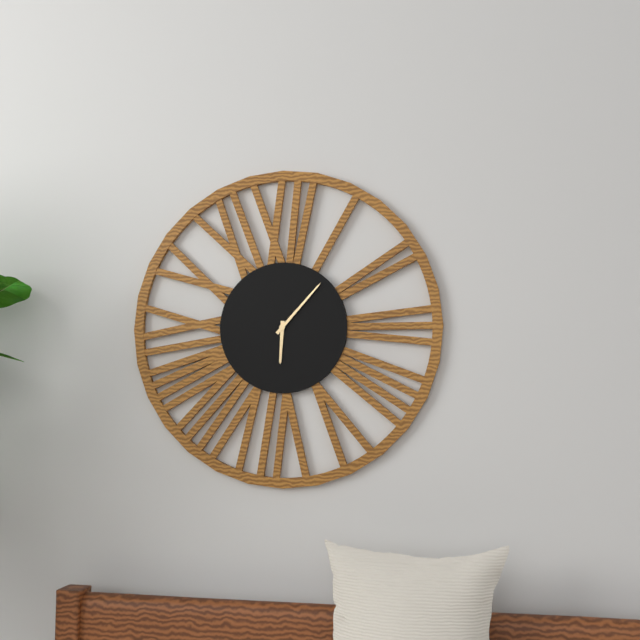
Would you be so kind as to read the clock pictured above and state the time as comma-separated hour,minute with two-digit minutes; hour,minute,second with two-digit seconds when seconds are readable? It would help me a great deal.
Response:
6,07
